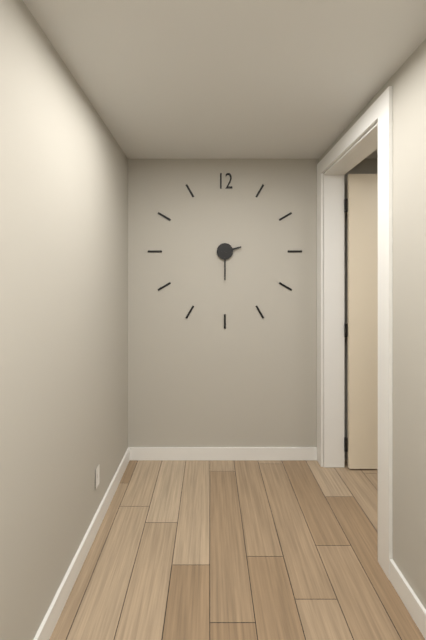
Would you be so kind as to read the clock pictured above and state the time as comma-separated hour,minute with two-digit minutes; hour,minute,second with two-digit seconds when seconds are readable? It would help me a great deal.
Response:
2,30
